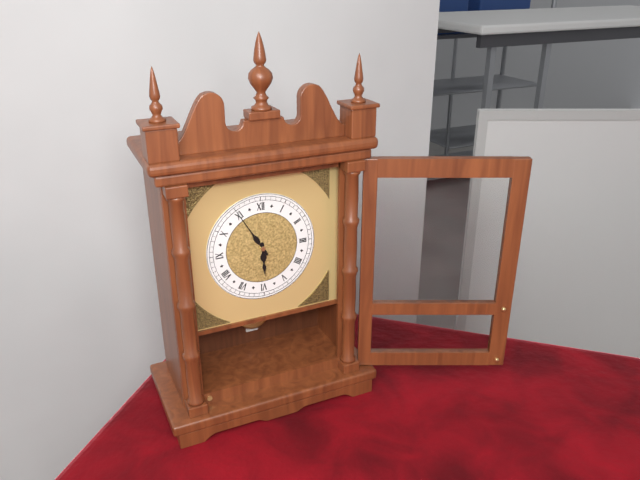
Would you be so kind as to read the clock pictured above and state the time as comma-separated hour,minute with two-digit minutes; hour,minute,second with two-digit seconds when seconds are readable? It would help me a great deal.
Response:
5,55
